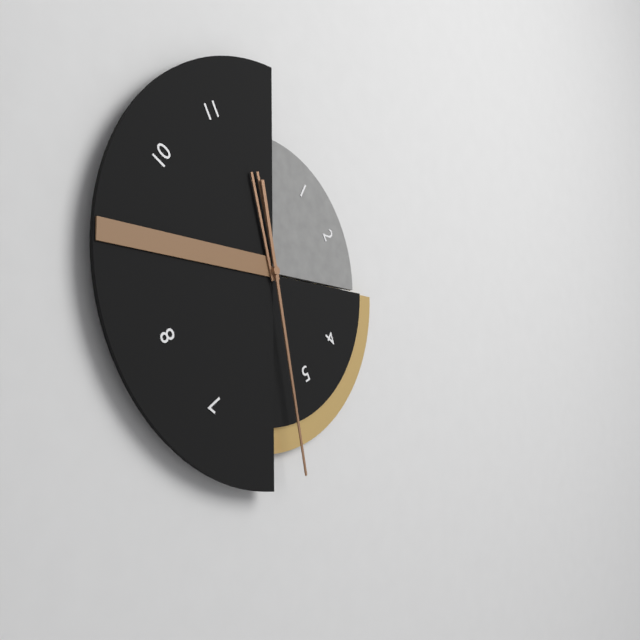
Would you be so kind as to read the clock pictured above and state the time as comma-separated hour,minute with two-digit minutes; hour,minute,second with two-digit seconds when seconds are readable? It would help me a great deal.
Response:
11,28
